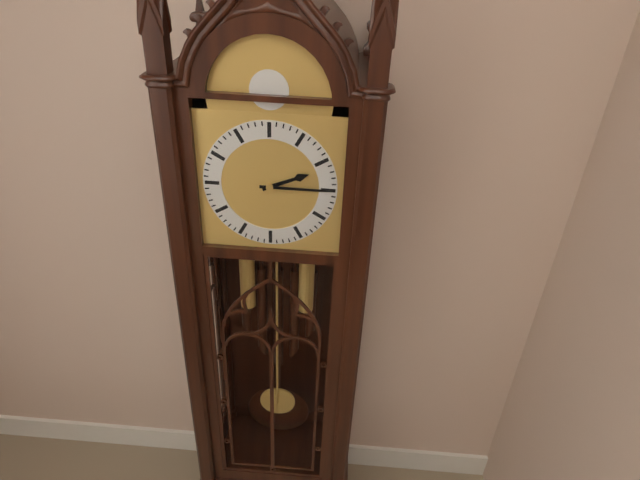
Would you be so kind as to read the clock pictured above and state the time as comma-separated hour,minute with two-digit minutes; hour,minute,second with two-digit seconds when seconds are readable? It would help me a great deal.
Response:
2,15
